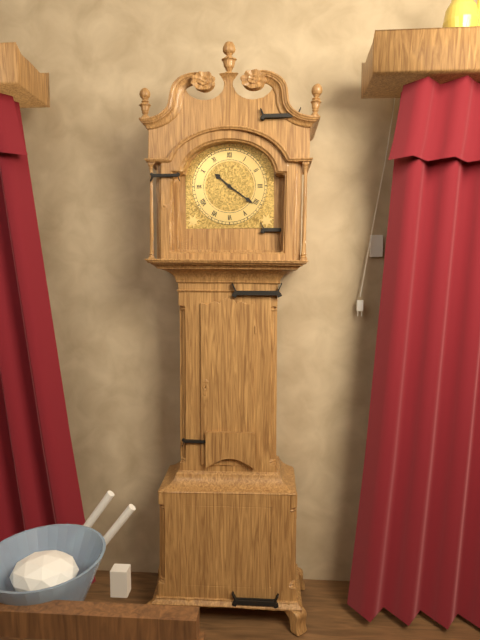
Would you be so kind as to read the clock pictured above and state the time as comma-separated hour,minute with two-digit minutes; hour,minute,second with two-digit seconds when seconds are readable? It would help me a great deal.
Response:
10,21
